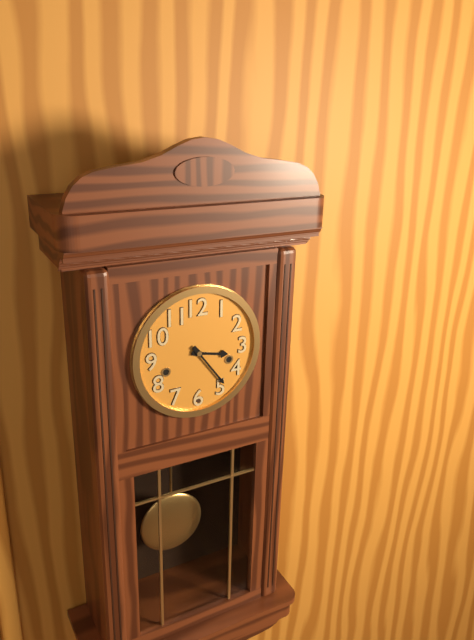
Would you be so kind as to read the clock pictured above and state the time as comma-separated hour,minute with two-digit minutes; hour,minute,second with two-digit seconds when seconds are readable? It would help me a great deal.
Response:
3,24
